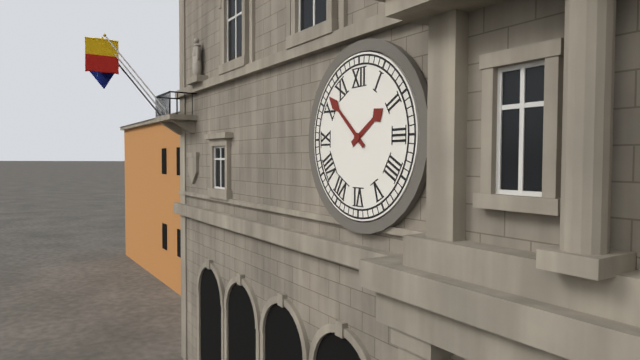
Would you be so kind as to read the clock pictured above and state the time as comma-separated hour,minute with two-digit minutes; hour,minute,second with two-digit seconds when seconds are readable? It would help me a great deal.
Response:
1,52
